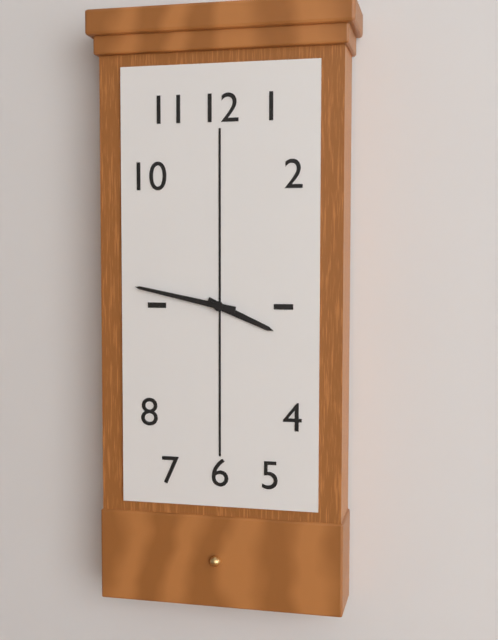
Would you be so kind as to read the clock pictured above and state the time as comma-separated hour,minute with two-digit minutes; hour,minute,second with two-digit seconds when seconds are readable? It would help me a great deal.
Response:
3,47
